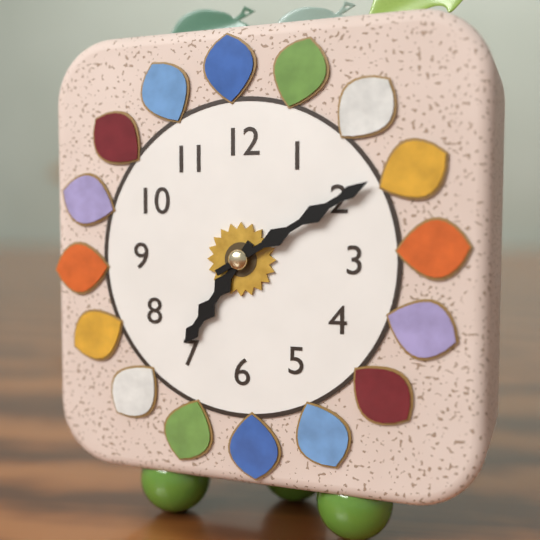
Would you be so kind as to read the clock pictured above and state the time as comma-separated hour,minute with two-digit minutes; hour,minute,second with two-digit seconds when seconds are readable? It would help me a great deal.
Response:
7,10
